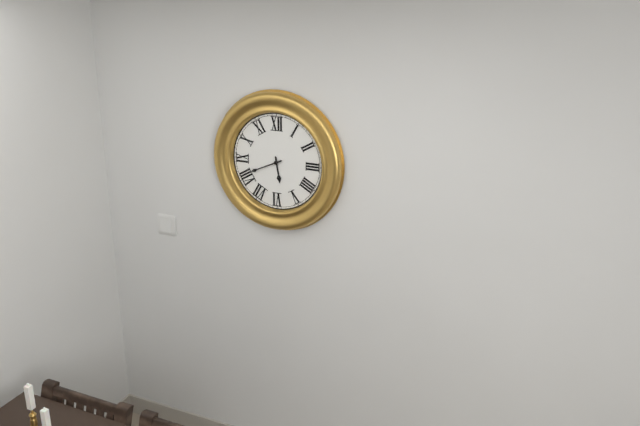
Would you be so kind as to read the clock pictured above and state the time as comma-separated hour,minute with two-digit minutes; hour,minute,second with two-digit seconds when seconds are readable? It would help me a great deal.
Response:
5,41
